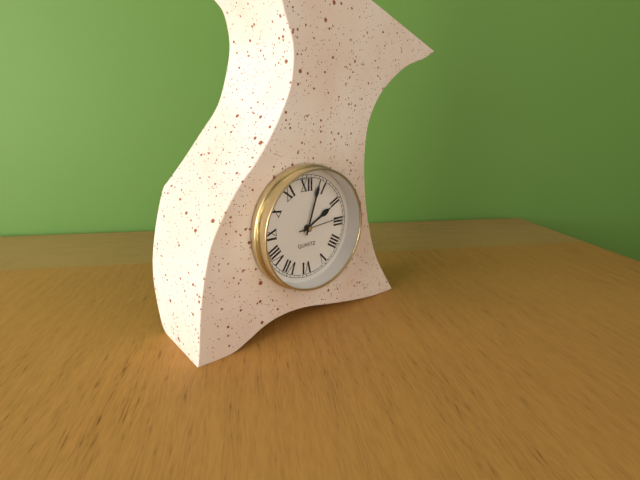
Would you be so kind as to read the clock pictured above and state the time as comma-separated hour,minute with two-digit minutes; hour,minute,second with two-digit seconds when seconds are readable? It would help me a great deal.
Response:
2,03,14
